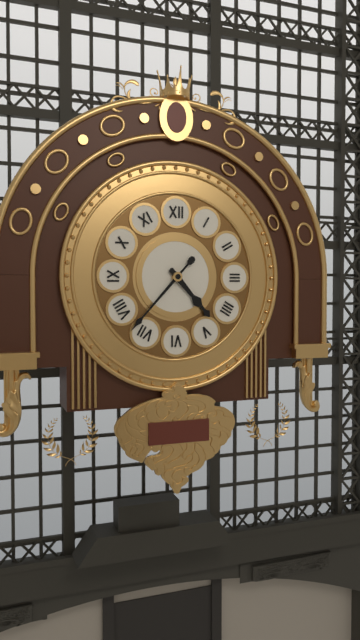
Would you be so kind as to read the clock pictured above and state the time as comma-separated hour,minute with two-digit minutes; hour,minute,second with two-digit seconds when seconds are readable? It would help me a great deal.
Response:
4,37
